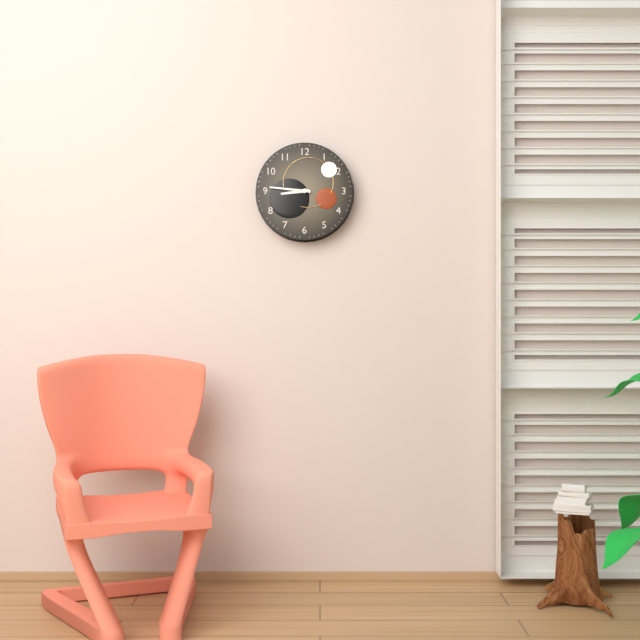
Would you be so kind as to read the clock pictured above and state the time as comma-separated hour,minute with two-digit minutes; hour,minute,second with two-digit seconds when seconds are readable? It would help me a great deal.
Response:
8,46
